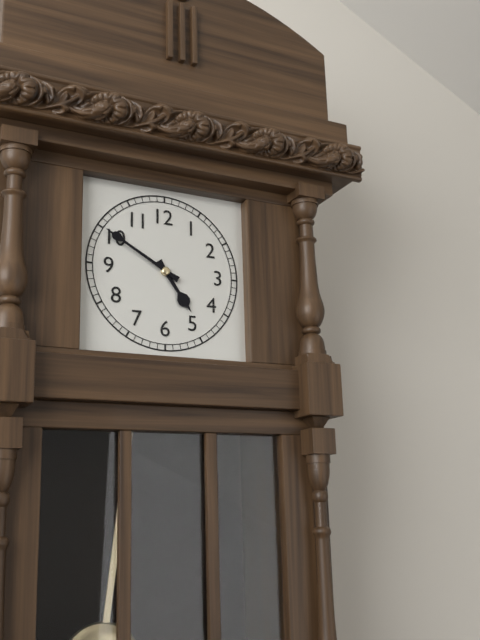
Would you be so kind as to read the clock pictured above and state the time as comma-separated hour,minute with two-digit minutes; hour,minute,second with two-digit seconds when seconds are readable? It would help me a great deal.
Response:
4,50
